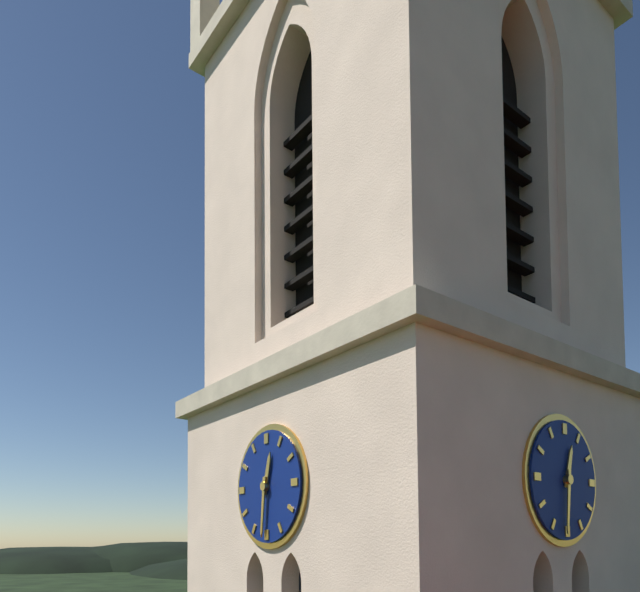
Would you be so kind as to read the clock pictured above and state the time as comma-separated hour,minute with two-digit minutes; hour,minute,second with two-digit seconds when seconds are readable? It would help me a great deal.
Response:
12,31
